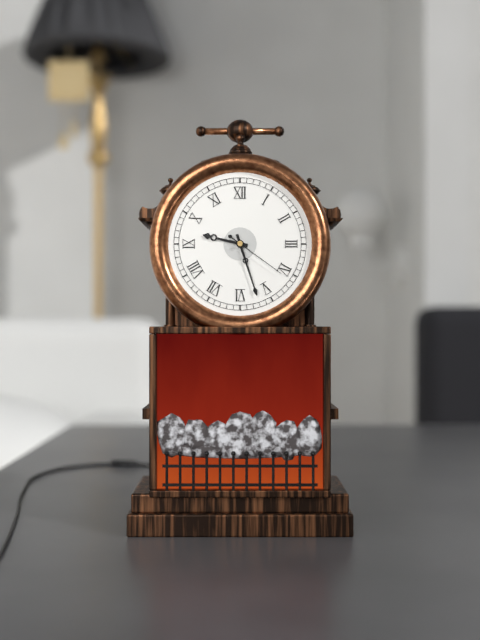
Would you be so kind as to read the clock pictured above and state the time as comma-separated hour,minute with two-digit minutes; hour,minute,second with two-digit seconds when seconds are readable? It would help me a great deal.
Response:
9,27,21
